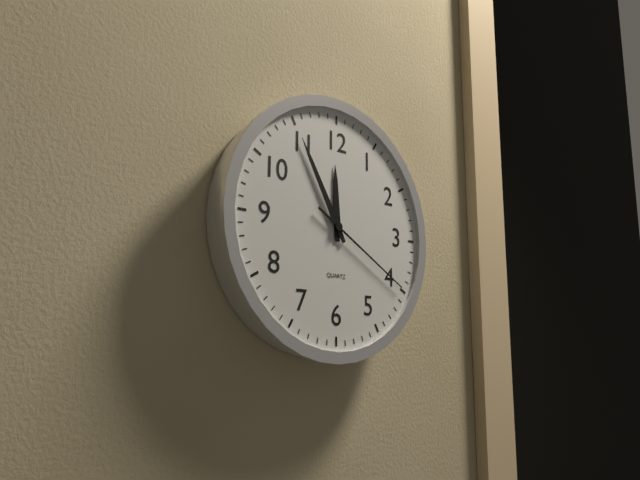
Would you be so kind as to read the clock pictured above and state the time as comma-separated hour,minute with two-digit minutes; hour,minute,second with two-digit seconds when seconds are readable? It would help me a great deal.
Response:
11,55,20
